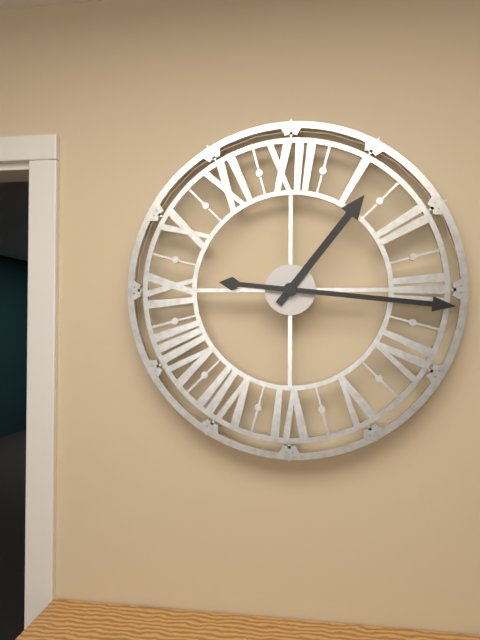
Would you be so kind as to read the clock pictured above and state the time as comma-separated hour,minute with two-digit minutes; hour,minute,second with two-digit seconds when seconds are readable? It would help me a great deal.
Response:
1,16
